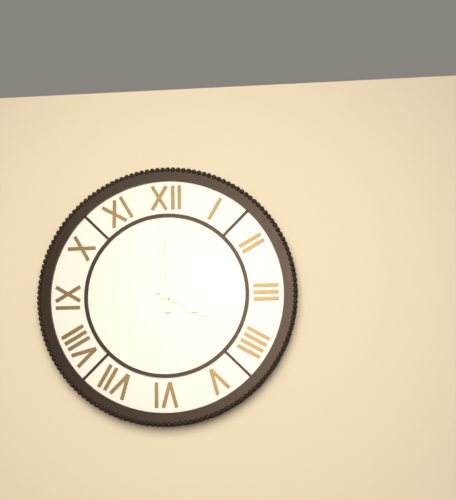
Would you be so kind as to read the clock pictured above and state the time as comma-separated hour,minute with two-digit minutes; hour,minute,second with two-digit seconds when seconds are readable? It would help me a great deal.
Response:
3,59
